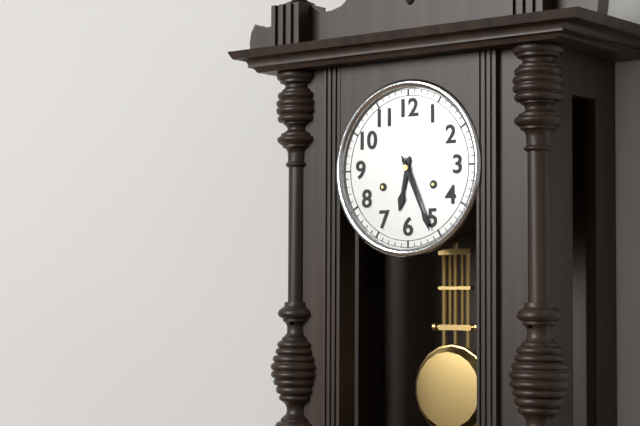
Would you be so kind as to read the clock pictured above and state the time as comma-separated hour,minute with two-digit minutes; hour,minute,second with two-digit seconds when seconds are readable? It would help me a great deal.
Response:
6,26
